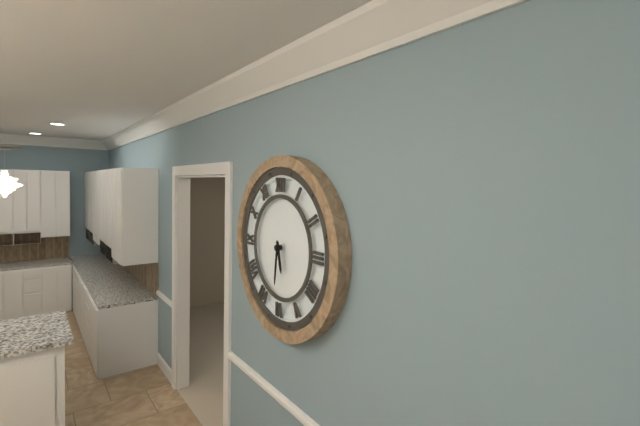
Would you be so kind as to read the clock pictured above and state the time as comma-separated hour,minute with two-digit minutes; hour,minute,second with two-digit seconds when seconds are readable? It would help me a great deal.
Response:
5,31
